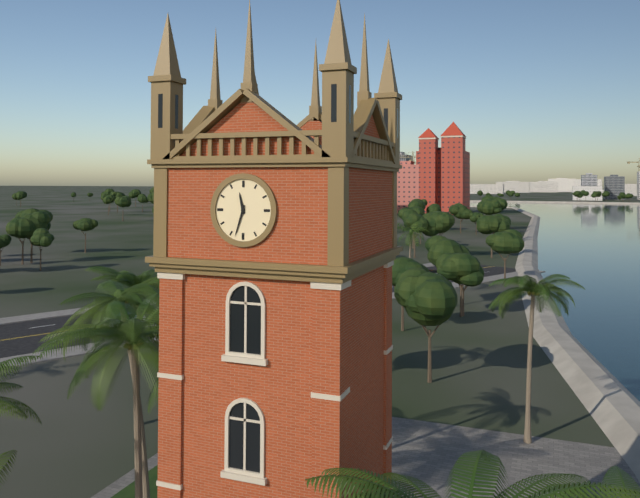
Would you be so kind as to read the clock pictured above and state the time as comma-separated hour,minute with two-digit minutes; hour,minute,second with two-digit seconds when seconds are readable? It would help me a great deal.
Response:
11,33
